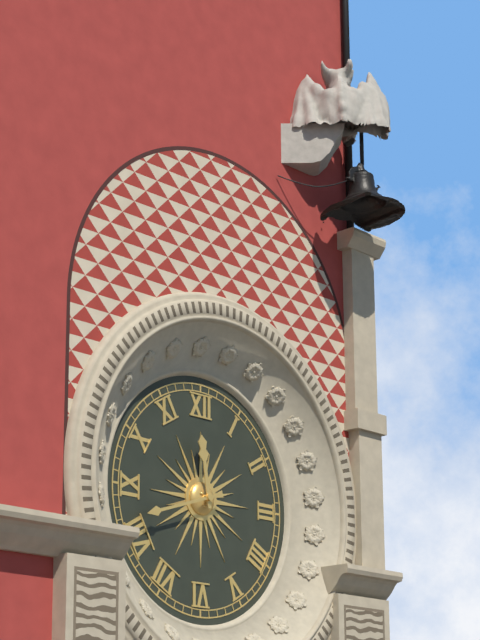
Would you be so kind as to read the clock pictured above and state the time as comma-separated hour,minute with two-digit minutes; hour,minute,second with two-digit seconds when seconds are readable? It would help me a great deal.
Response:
11,42
